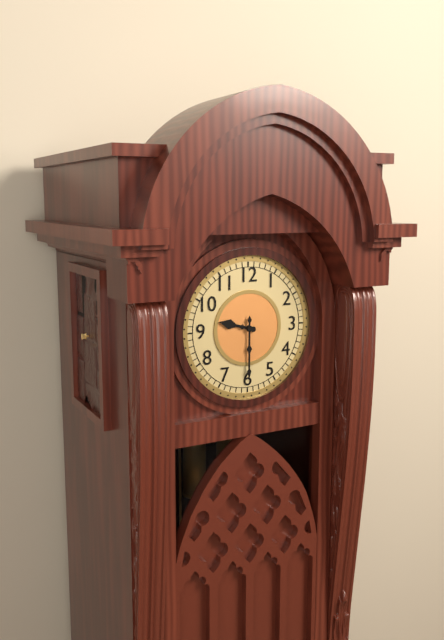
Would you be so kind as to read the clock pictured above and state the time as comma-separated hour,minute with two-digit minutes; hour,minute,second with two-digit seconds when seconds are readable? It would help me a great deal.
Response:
9,30
